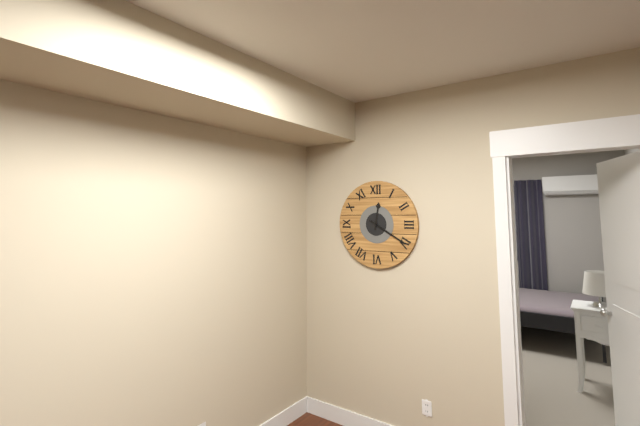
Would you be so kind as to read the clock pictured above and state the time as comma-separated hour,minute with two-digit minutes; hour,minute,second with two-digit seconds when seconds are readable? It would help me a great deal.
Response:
12,20
